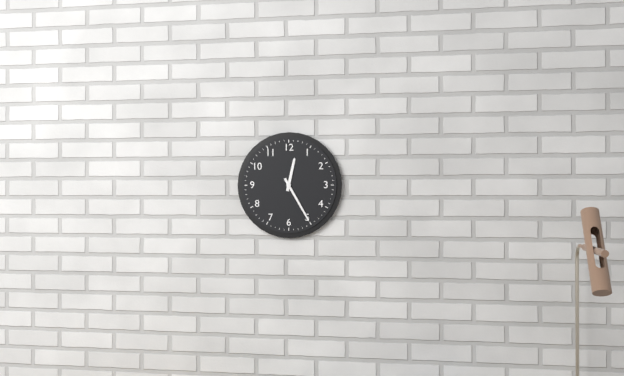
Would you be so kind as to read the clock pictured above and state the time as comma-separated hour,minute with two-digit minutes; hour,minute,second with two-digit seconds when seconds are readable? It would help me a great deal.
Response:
12,25
